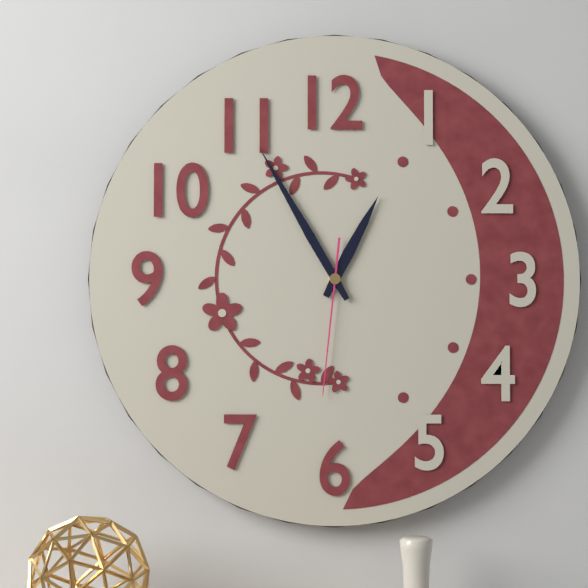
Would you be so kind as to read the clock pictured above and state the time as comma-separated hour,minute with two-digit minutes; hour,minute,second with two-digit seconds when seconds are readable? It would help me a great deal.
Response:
12,55,31
